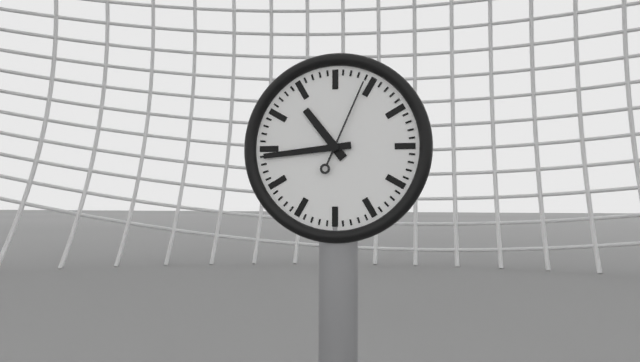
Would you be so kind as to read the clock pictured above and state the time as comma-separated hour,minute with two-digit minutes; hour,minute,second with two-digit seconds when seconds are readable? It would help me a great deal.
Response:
10,44,04
